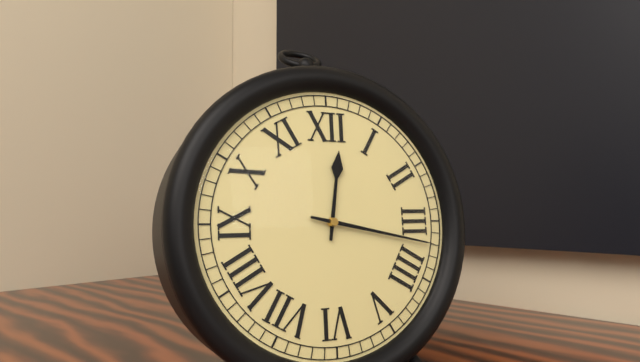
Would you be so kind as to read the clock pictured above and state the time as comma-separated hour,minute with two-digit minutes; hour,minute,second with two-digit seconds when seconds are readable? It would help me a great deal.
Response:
12,17
